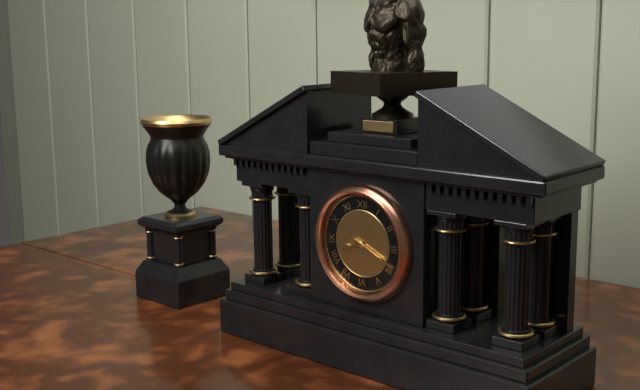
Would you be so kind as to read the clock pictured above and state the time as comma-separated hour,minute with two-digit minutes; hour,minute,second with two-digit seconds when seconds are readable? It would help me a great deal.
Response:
8,19
